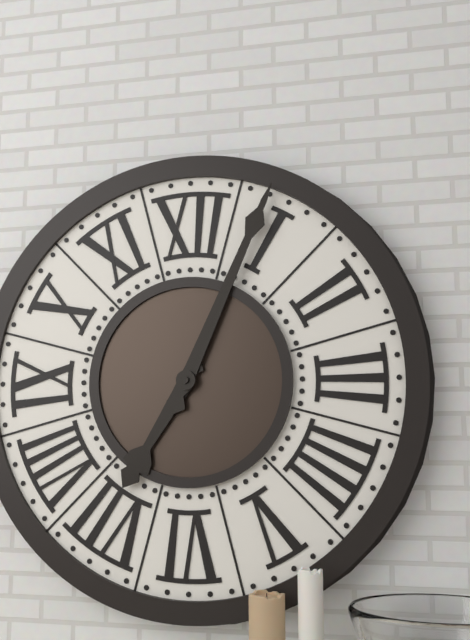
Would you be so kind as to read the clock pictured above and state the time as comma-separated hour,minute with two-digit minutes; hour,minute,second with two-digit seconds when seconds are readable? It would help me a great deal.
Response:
7,04
